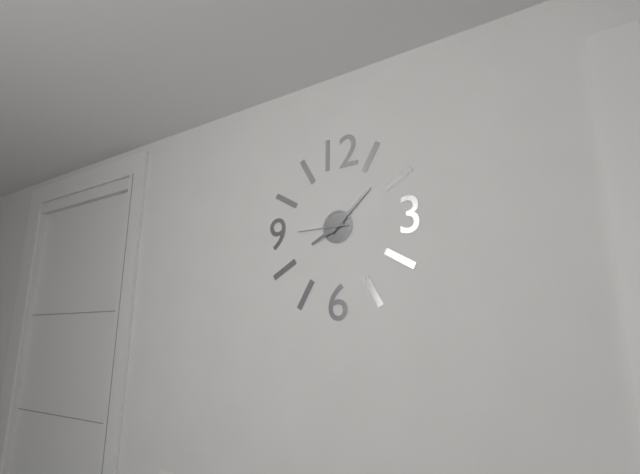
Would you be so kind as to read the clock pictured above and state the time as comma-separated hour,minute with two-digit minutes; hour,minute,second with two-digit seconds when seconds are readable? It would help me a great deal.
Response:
8,08
